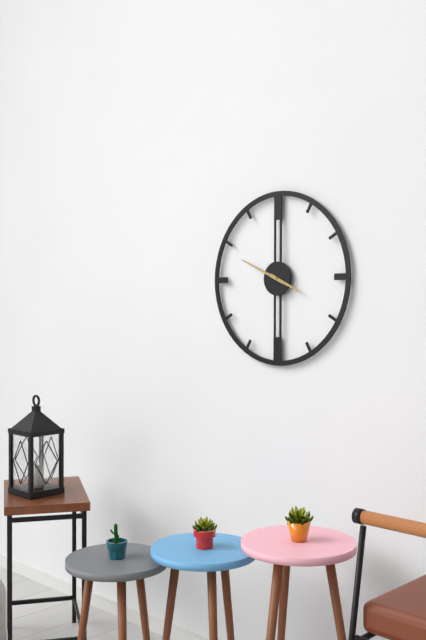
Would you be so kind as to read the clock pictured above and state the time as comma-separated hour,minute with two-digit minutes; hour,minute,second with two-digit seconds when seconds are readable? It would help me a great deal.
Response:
3,49
